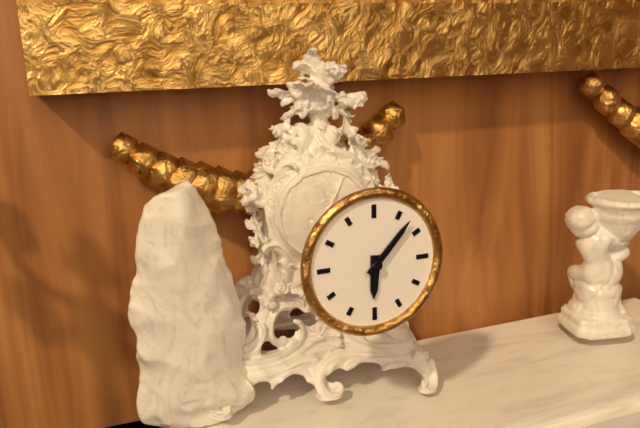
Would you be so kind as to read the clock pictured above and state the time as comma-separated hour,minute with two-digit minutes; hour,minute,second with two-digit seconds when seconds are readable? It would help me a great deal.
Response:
6,07
